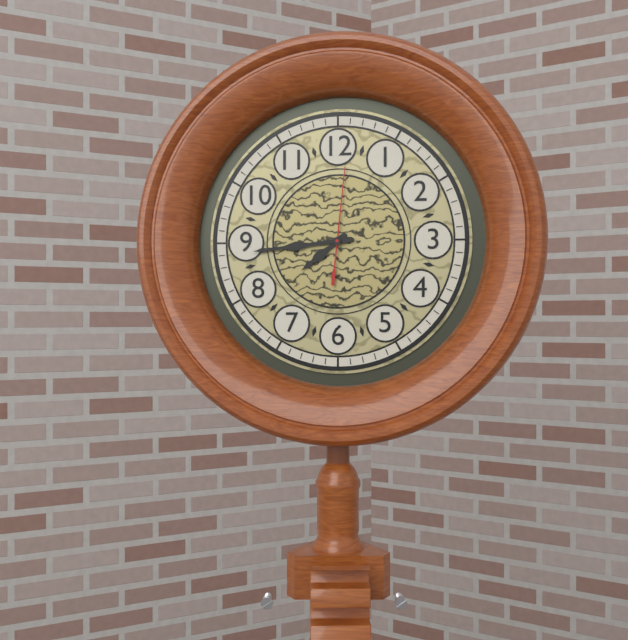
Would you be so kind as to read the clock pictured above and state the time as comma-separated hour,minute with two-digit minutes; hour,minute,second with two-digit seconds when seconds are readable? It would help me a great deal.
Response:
7,44,01
